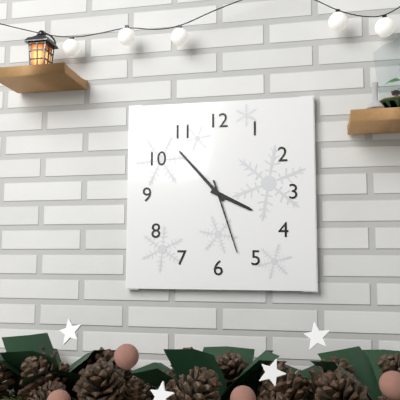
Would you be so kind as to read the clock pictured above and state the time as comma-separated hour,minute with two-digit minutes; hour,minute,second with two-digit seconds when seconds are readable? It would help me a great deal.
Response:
3,53,27
